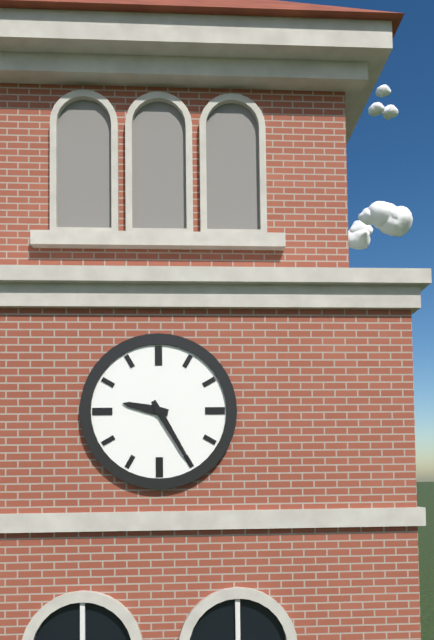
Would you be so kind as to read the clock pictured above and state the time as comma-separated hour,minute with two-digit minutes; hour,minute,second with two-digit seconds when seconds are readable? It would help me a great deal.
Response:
9,25
